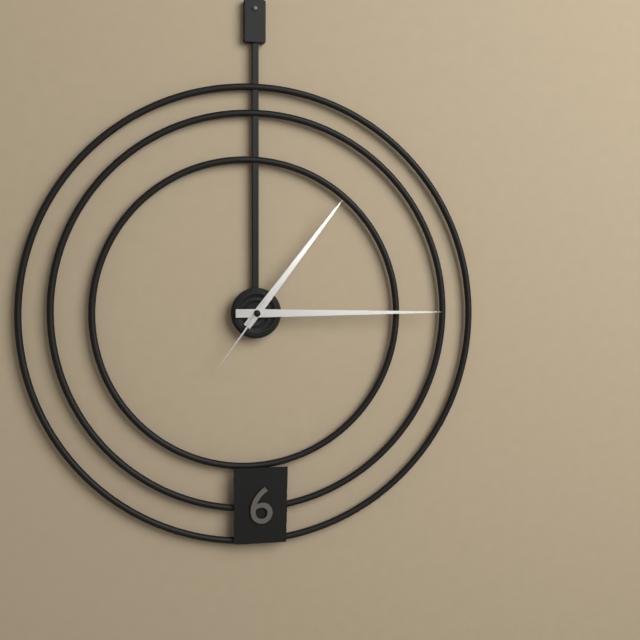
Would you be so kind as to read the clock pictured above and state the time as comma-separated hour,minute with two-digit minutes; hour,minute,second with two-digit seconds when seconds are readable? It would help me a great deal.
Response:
1,15,36
